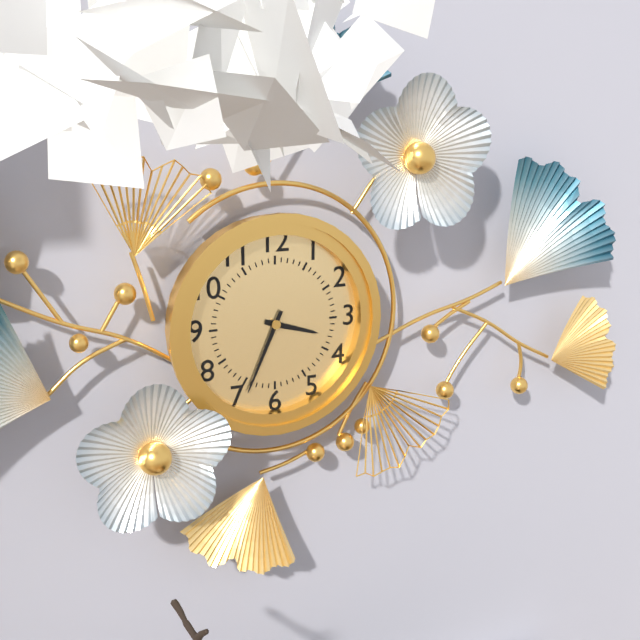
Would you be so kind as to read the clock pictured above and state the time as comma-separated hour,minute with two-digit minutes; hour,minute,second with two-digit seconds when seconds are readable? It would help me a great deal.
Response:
3,34
